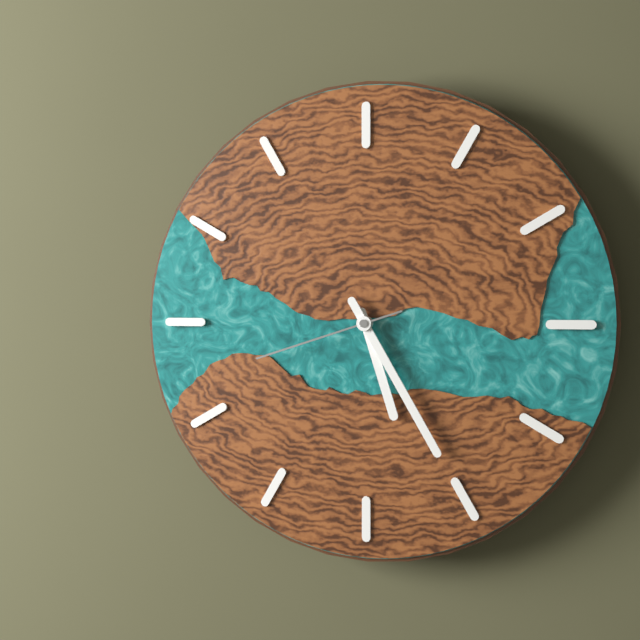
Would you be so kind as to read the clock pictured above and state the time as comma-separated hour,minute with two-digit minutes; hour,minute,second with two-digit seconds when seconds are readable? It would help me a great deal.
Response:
5,25,42
